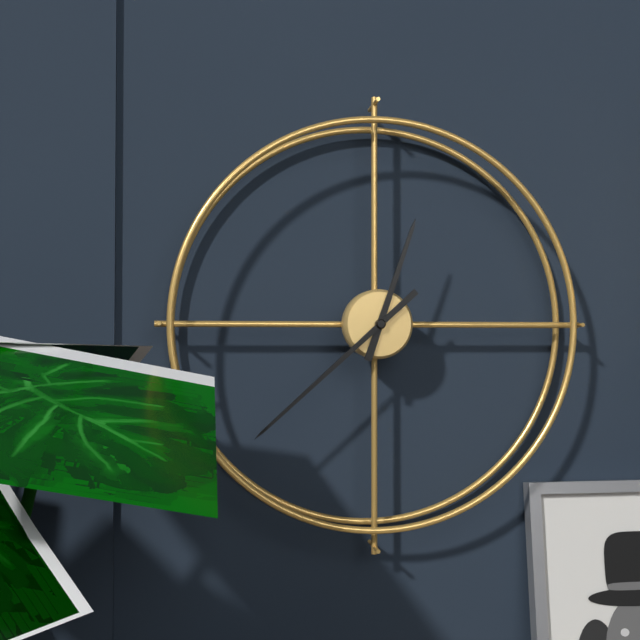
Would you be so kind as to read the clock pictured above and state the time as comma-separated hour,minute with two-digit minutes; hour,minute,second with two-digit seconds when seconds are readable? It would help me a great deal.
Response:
12,38
